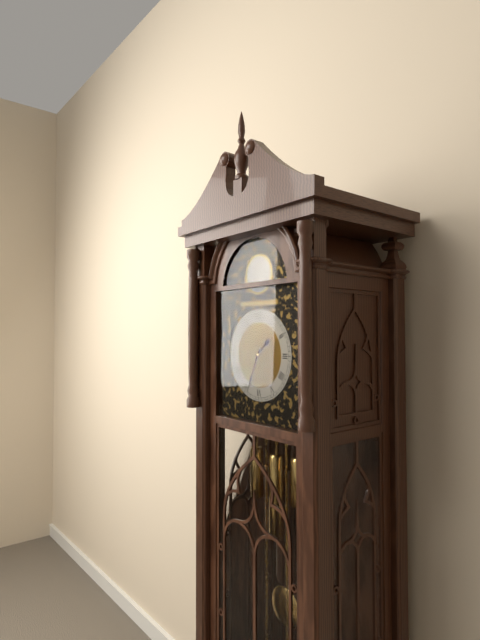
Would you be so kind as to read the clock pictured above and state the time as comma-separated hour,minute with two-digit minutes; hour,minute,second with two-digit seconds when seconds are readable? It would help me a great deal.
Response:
1,34
